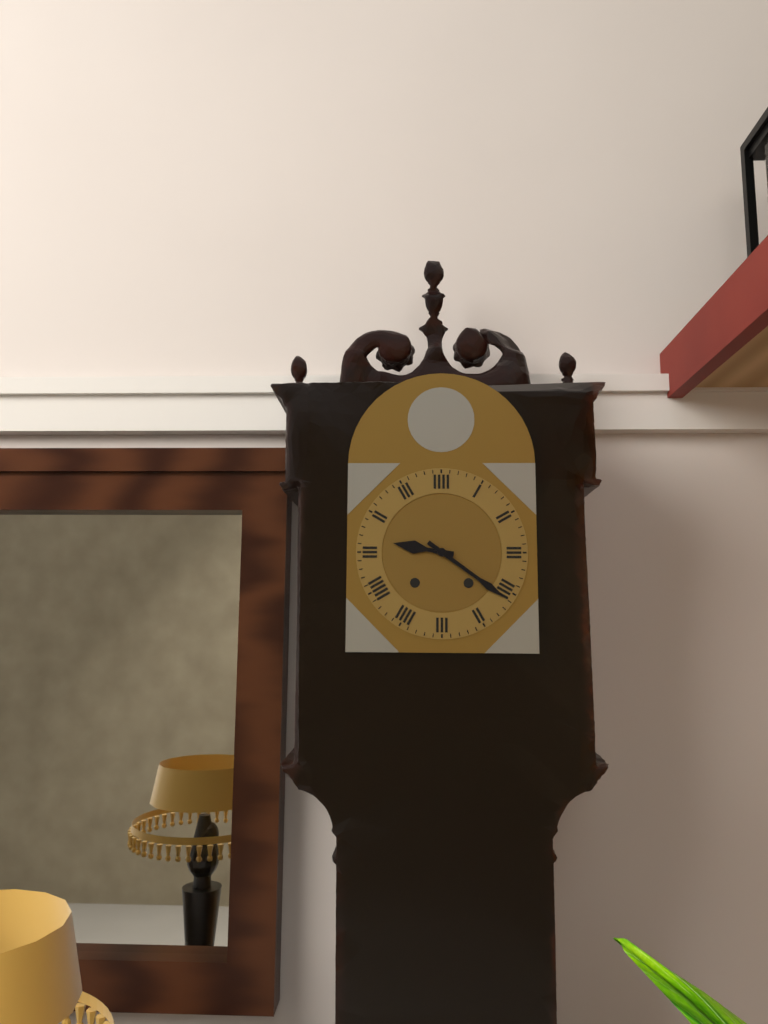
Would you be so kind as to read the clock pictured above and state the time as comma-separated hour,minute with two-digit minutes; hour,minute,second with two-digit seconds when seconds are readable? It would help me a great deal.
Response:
9,21
